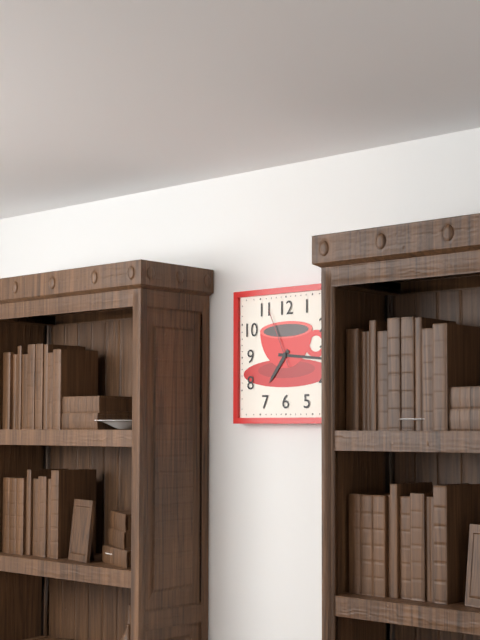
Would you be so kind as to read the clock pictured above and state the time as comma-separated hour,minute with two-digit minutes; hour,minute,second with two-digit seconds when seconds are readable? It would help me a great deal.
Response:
7,16,56
